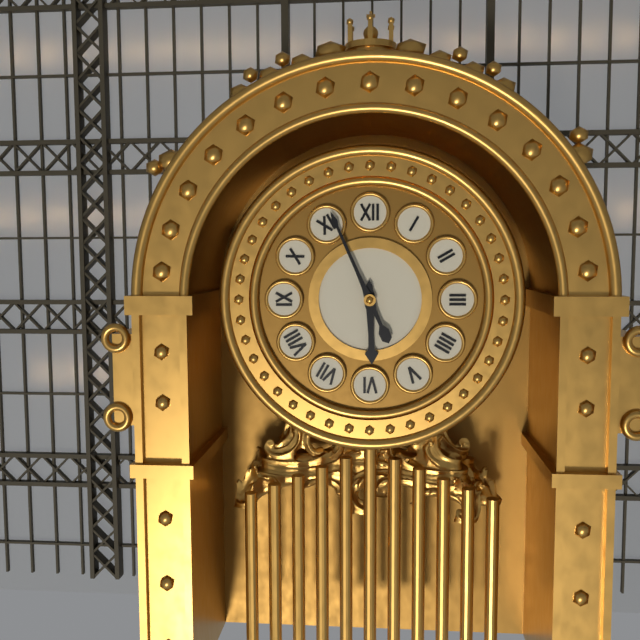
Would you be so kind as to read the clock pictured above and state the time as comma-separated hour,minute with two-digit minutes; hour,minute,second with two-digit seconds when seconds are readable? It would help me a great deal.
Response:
5,56
